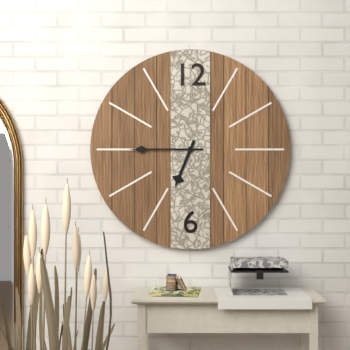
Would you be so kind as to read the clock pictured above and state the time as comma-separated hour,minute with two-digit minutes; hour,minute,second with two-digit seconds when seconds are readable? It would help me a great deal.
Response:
6,45
